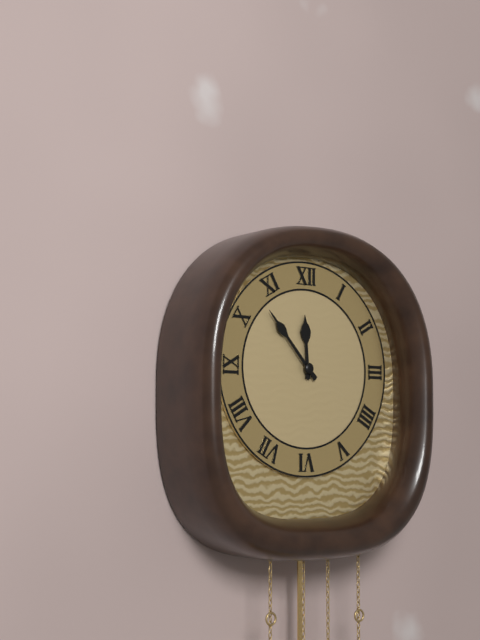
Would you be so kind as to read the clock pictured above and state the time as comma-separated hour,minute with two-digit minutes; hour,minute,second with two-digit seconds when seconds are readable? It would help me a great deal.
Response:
11,53
